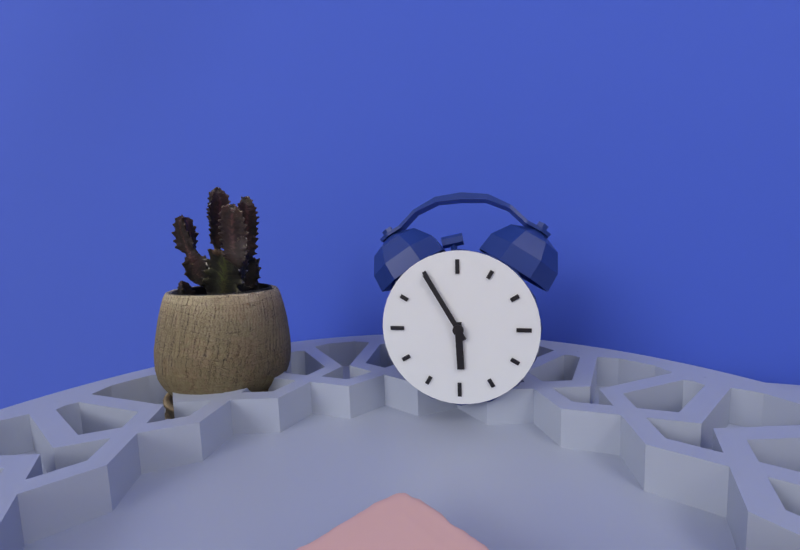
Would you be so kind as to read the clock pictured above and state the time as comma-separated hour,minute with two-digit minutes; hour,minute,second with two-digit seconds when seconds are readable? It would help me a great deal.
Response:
5,55
